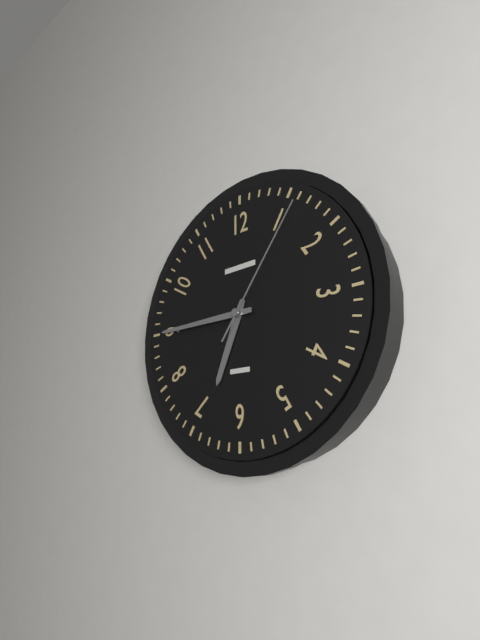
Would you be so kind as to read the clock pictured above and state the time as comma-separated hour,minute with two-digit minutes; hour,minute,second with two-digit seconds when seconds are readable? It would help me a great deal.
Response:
6,45,06
